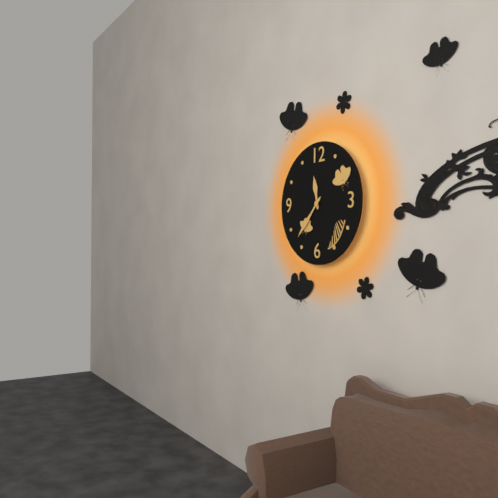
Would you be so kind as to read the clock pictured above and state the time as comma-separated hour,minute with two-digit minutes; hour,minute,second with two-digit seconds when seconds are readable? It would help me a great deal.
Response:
11,37
